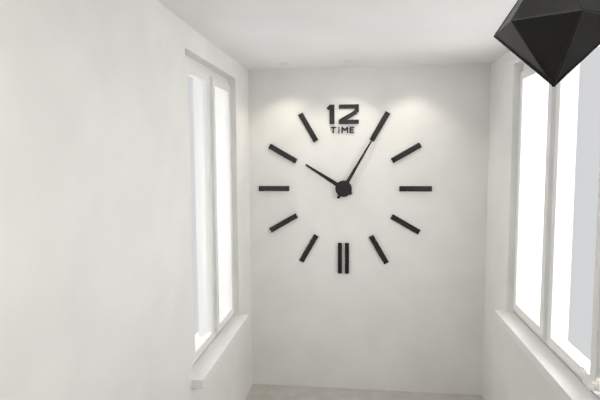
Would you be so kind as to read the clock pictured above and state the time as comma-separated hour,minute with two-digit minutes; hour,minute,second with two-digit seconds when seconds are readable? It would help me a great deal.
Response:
10,05
